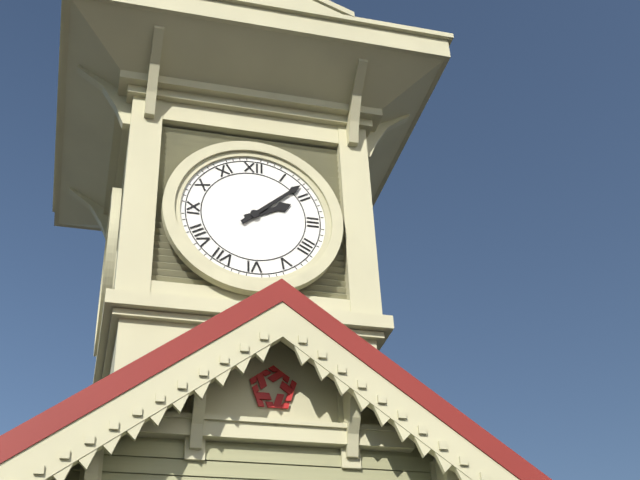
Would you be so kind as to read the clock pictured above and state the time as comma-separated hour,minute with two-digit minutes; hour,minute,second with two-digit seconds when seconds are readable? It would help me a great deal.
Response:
2,08
